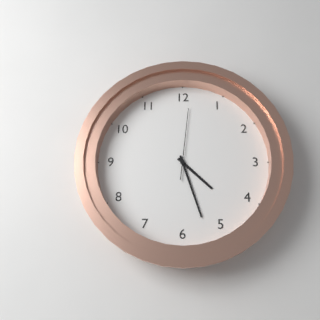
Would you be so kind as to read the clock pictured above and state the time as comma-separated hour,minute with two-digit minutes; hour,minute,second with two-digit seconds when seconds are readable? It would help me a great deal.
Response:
4,27,01
